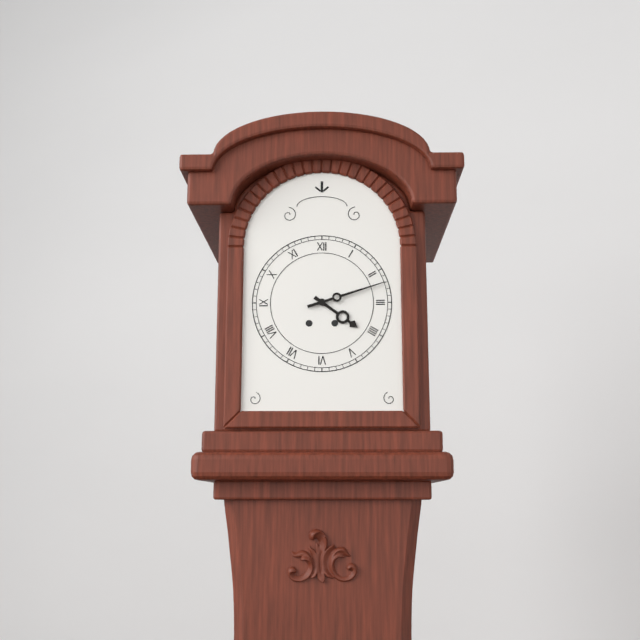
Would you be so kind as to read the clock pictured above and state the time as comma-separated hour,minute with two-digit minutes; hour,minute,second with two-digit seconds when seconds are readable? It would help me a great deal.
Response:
4,12
